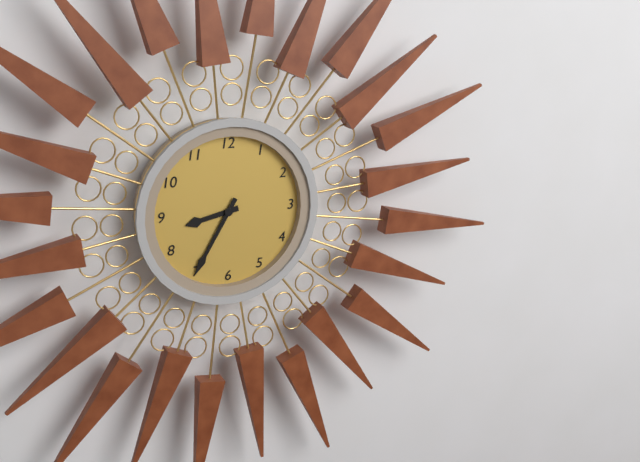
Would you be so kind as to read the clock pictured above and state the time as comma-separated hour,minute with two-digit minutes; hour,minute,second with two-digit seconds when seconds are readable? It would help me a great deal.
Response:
8,35
